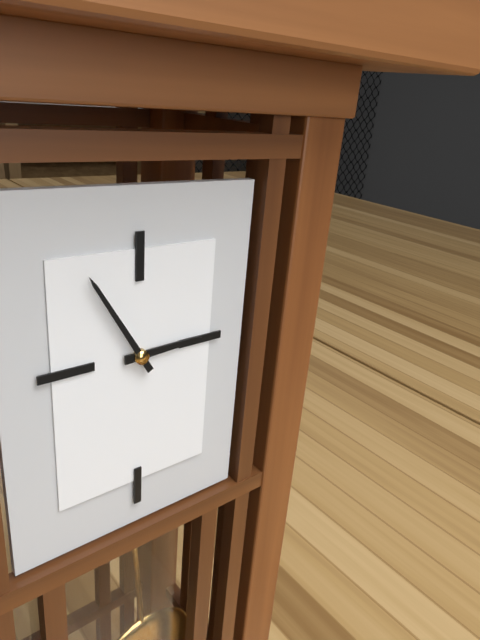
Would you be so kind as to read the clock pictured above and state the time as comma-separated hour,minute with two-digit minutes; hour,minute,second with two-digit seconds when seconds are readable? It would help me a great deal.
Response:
2,55
